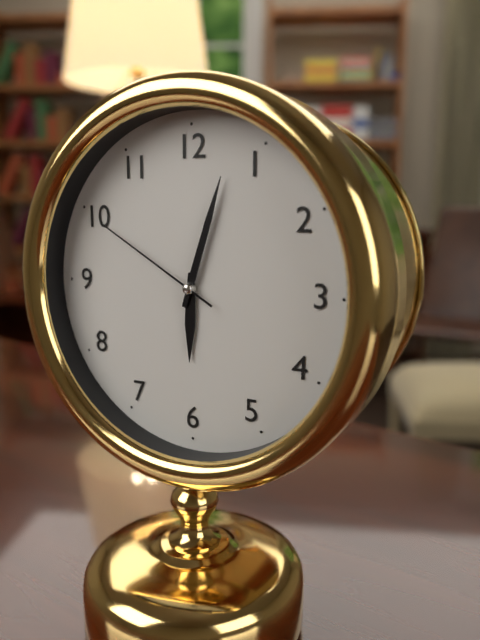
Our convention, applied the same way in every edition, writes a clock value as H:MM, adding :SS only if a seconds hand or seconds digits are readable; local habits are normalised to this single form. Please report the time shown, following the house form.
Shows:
6:03:50
